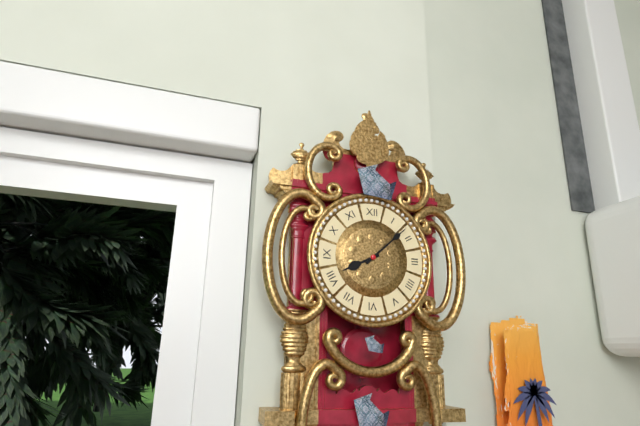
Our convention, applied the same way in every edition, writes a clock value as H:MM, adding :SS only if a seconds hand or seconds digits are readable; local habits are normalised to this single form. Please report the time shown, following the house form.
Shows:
8:08
